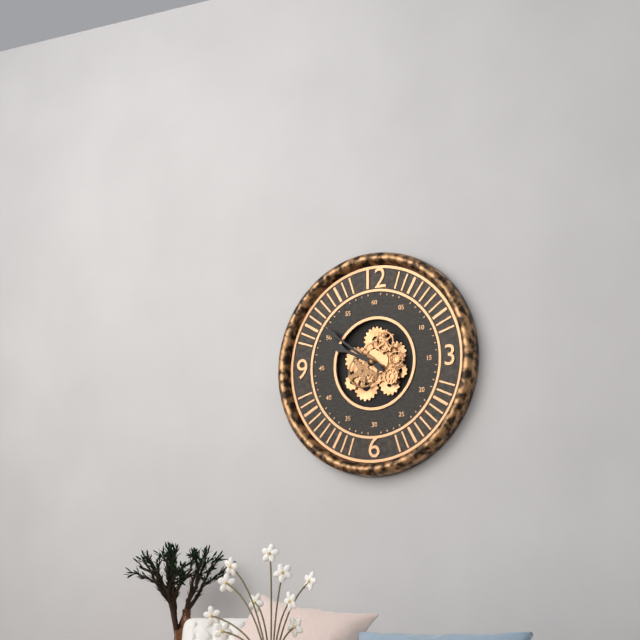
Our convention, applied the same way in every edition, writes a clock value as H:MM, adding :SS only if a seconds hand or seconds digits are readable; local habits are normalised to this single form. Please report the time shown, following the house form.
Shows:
9:51
